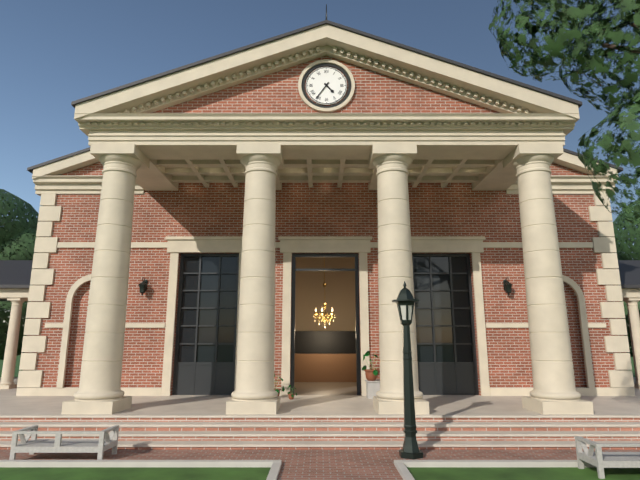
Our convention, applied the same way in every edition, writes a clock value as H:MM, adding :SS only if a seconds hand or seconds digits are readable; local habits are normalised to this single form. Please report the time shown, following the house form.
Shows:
4:36
